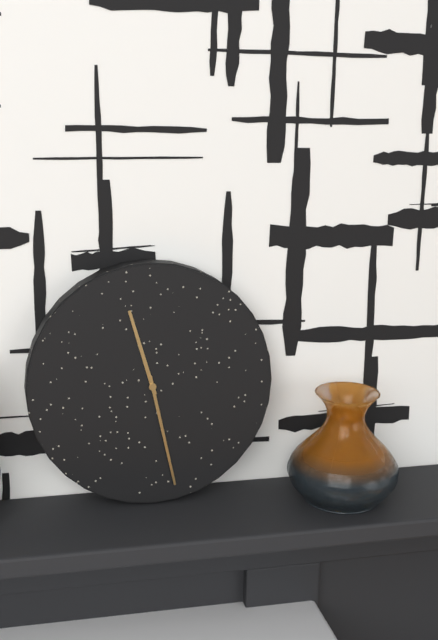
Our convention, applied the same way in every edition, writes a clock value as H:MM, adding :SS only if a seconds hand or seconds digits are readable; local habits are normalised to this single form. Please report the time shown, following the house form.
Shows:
11:28
